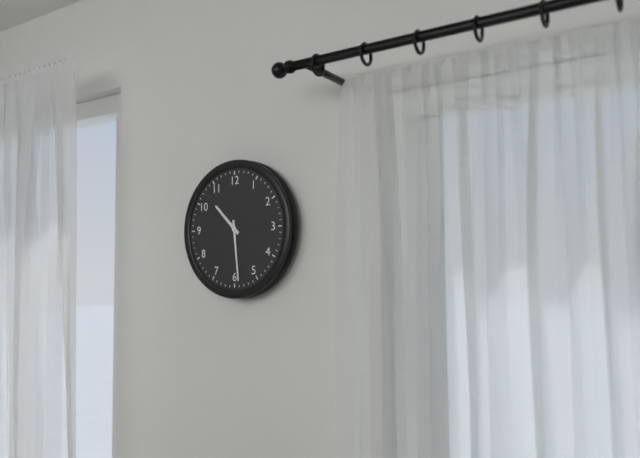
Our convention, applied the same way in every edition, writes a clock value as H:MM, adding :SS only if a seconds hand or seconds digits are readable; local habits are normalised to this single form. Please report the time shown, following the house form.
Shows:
10:29
